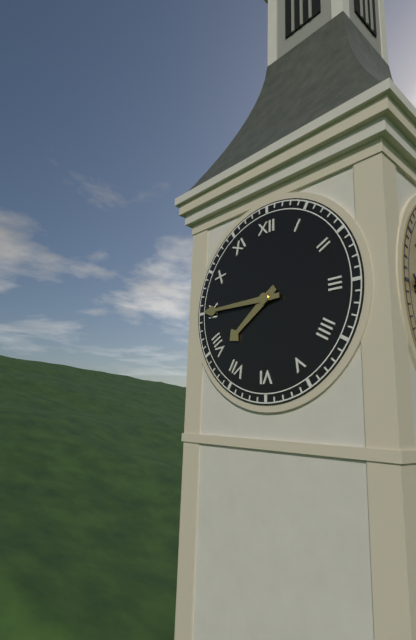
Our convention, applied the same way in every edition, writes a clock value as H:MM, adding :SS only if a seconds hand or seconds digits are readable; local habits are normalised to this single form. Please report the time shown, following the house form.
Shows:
7:45
